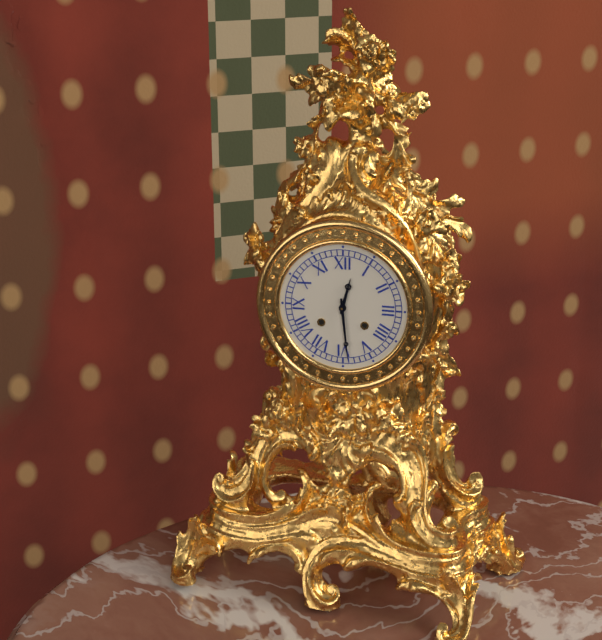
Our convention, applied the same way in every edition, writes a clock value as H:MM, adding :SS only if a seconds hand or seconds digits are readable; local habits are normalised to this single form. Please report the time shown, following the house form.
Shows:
12:29
